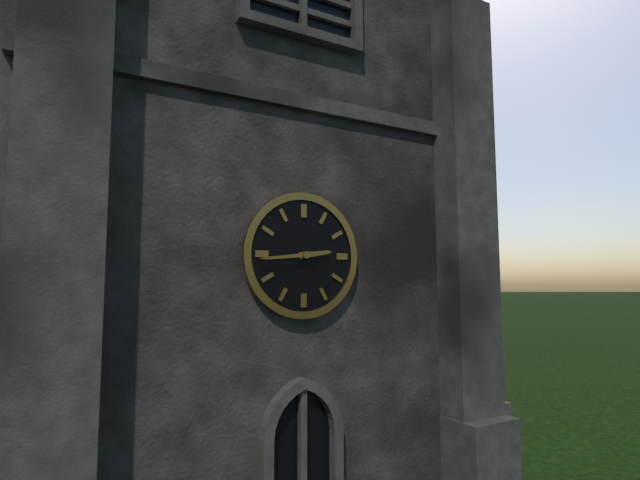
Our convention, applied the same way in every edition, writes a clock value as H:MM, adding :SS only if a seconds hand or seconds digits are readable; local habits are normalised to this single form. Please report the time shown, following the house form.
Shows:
2:44
